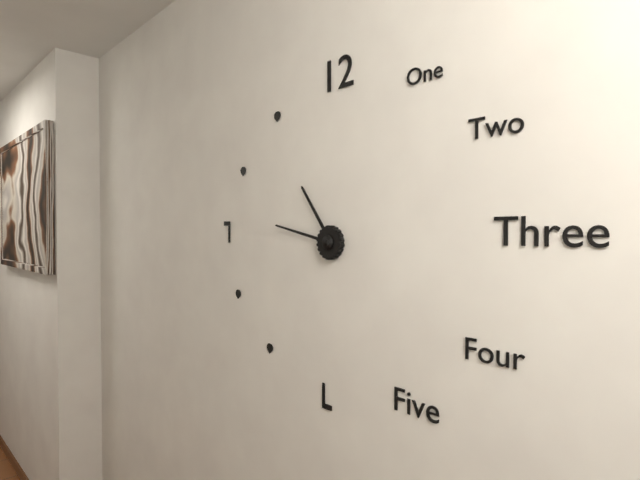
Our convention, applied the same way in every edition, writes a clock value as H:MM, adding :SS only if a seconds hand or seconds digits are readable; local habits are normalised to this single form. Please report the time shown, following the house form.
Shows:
10:47
